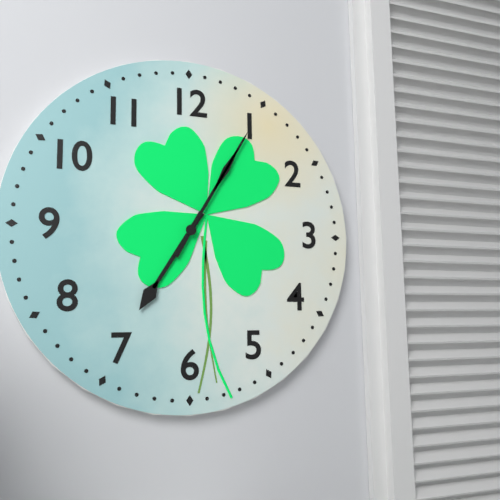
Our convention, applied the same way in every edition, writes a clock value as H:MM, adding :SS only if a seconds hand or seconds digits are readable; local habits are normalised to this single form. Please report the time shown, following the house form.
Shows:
7:05
